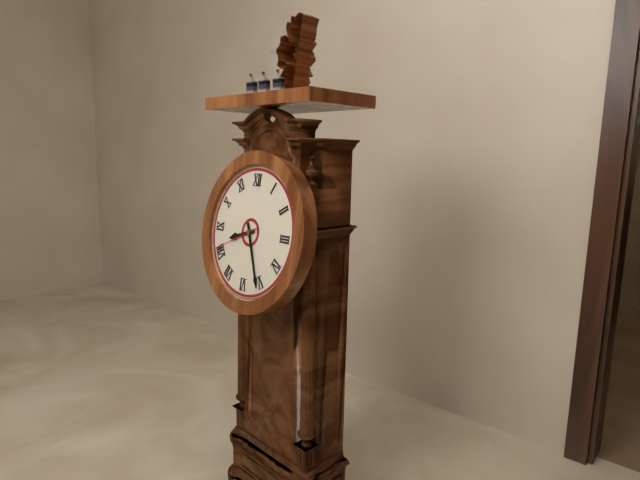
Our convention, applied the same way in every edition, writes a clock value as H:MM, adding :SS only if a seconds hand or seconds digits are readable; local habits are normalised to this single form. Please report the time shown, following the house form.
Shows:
8:26
